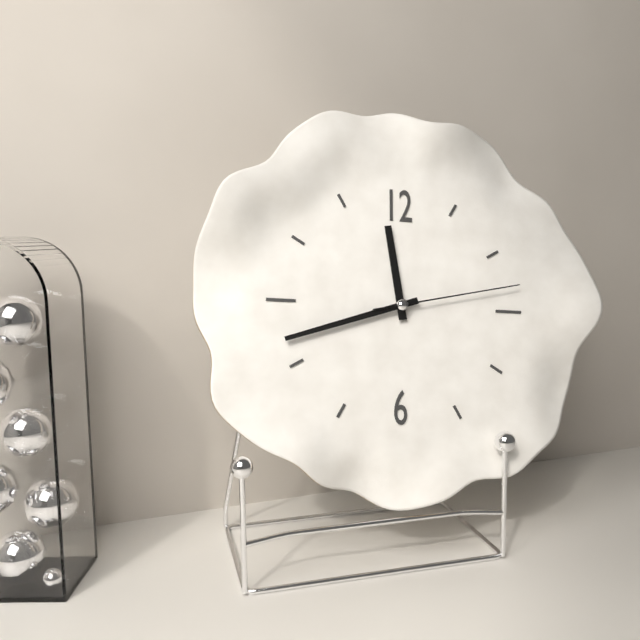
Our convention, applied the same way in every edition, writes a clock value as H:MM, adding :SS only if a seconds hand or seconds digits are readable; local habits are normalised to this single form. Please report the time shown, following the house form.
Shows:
11:42:13
